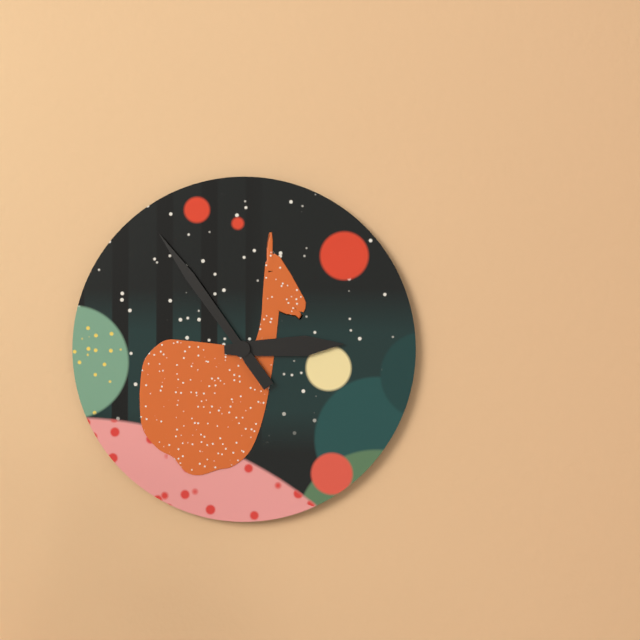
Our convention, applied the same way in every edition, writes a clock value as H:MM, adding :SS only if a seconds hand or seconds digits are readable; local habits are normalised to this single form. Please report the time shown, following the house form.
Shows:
2:54
